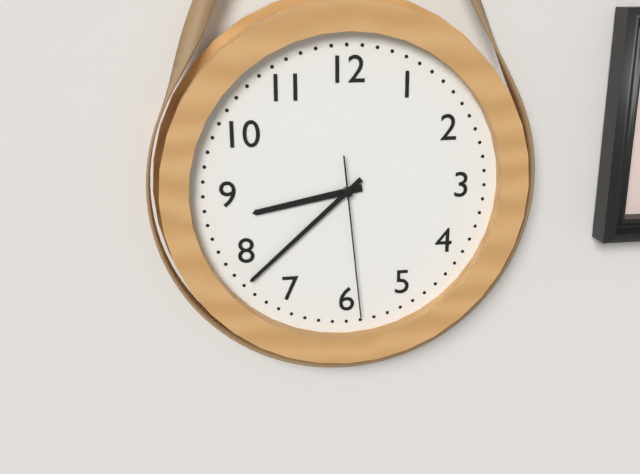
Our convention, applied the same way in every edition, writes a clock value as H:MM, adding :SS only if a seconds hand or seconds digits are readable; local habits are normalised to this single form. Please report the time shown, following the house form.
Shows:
8:38:29
